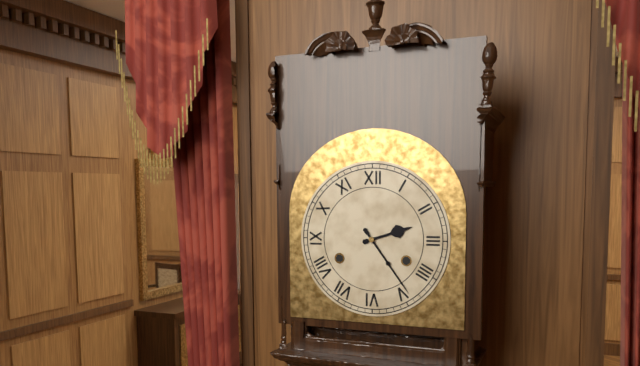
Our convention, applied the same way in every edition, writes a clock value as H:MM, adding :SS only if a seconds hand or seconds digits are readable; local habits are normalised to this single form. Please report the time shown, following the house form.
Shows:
2:24
